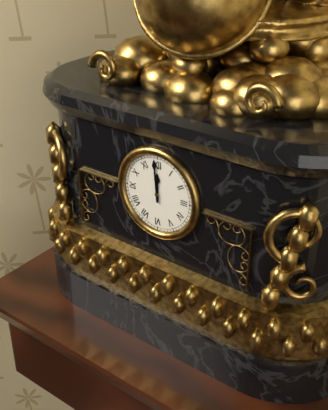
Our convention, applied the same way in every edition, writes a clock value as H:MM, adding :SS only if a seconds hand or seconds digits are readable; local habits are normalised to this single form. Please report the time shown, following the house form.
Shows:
11:59
